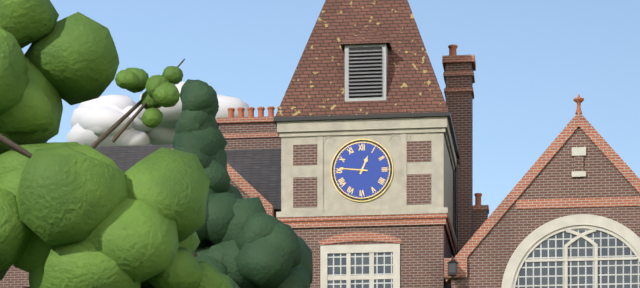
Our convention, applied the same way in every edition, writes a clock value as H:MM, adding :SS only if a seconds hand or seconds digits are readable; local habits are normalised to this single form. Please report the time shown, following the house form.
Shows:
12:46
